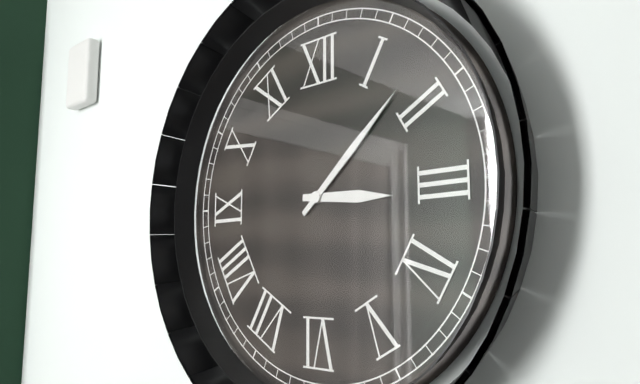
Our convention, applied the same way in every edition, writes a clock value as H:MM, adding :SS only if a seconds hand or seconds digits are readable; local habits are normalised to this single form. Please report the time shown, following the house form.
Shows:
3:08
